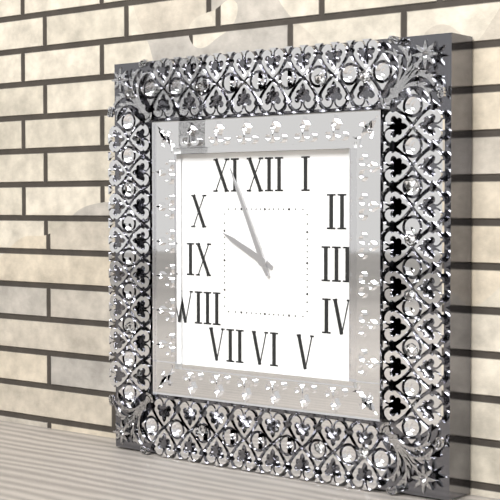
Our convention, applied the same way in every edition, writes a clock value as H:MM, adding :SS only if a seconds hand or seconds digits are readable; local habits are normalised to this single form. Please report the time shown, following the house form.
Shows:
9:56
